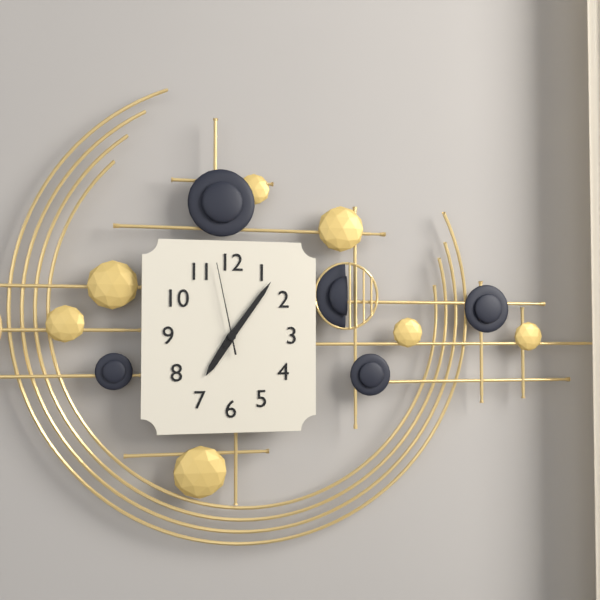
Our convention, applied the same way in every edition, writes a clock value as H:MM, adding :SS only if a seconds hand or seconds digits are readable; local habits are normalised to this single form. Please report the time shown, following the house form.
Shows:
7:06:58
